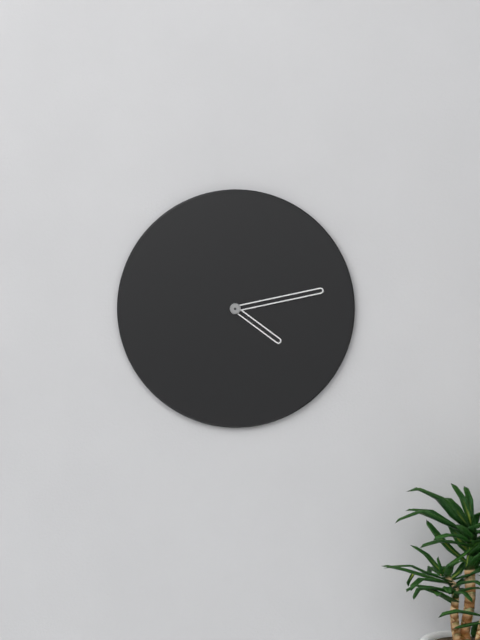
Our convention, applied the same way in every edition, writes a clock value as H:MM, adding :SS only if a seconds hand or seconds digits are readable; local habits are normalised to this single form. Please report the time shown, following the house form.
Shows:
4:13
